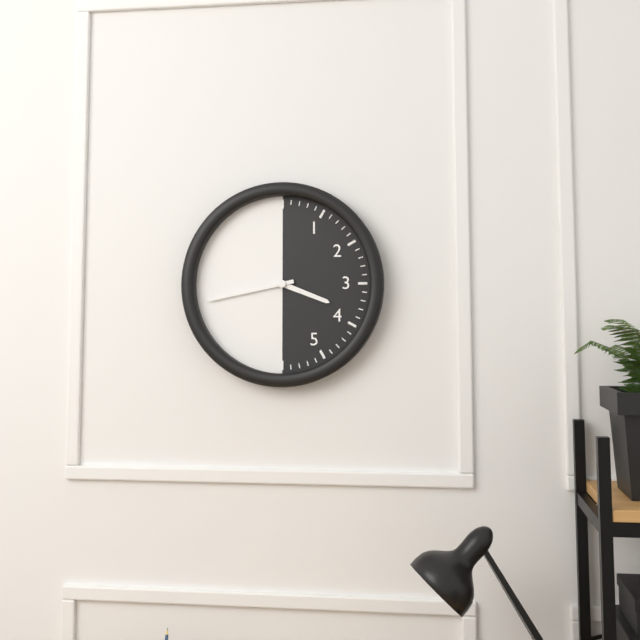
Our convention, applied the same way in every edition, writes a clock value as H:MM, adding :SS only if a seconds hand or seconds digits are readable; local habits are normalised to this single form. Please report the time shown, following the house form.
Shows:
3:43
